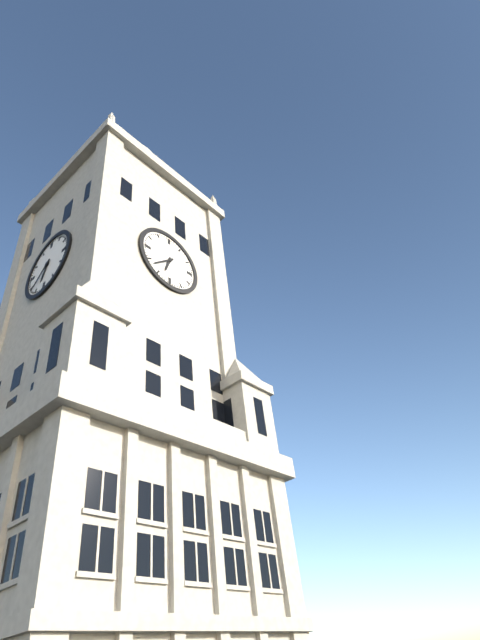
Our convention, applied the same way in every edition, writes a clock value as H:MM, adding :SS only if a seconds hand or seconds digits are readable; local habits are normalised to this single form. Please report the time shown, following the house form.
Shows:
6:38
